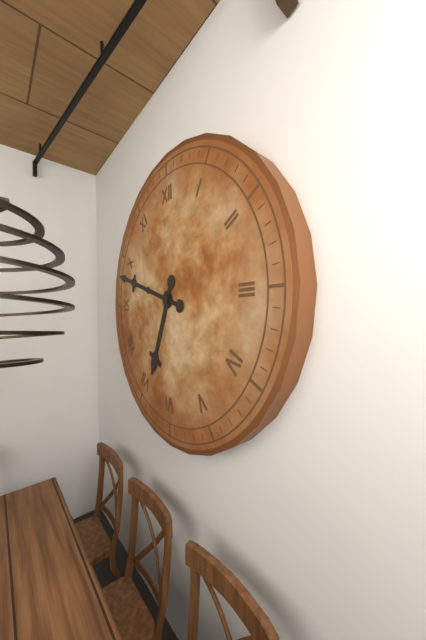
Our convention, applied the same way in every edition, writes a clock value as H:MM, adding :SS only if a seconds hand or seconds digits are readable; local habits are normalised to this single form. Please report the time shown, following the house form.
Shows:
6:48
